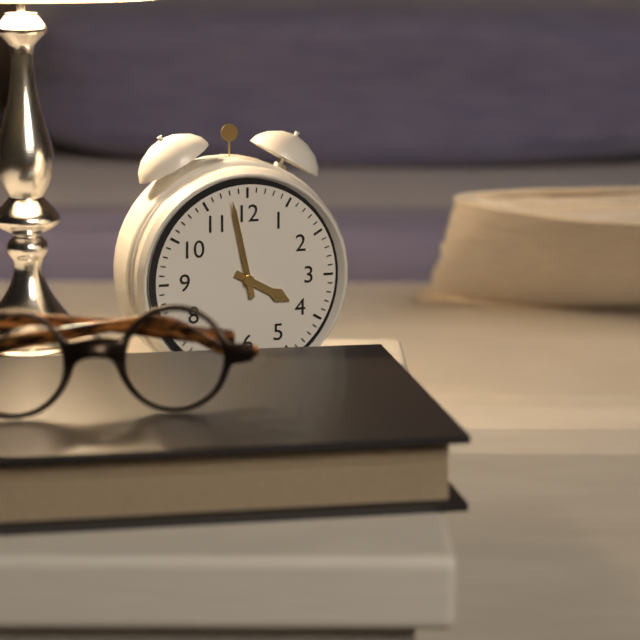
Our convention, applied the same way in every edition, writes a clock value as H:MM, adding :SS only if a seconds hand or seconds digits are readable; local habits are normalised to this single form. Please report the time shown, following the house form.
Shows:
3:58
